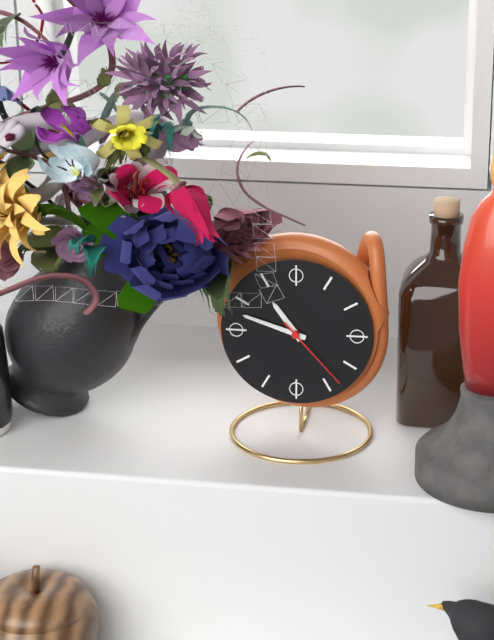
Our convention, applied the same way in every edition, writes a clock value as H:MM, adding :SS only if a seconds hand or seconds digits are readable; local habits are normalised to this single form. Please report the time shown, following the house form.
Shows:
10:48:23
